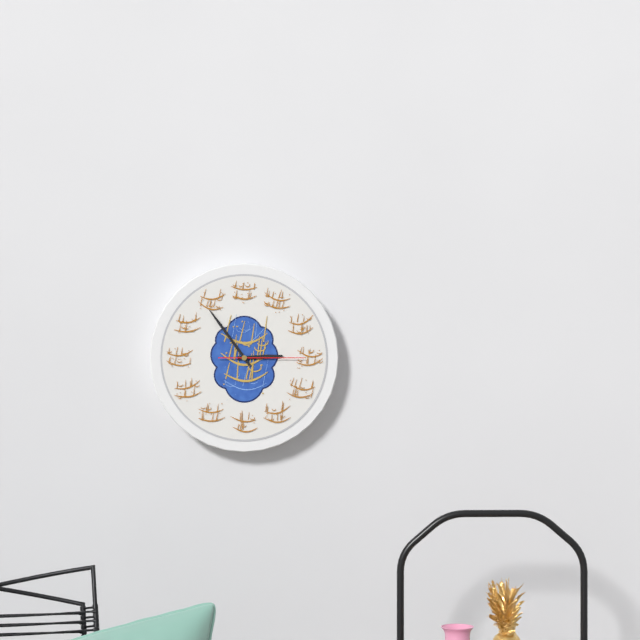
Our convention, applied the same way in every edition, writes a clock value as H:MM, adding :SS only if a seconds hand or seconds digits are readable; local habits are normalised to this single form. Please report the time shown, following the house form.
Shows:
2:54:15
